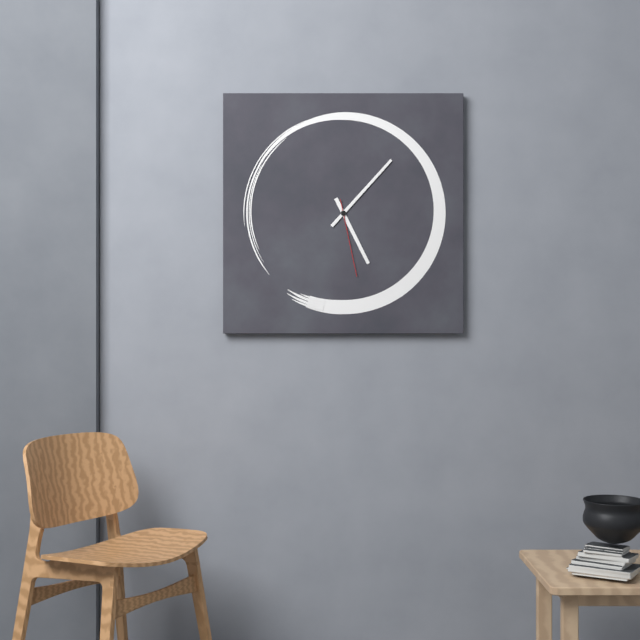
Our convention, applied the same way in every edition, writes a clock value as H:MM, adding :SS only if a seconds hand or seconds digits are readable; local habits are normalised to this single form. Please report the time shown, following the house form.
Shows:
5:07:28
